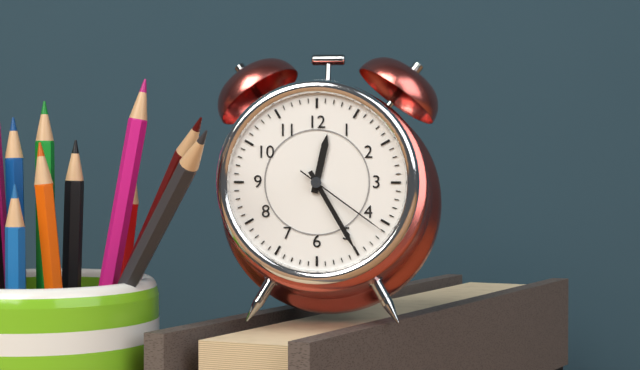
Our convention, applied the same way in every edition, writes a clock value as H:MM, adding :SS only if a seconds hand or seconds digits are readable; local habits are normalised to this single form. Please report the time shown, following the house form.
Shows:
12:25:21
